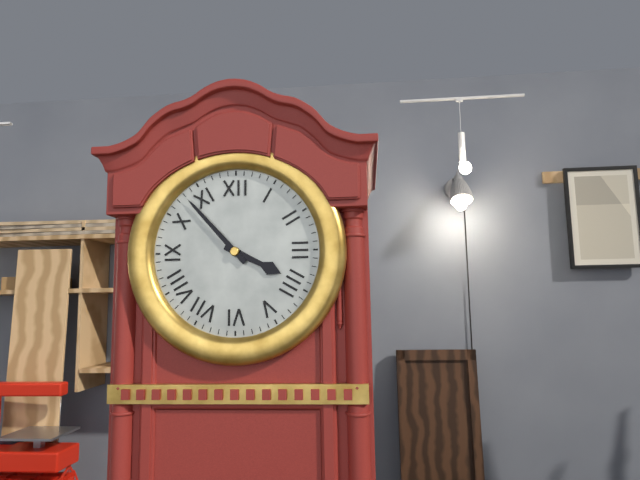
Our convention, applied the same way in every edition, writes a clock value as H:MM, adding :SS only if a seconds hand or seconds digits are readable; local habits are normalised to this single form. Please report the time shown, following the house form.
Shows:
3:53
